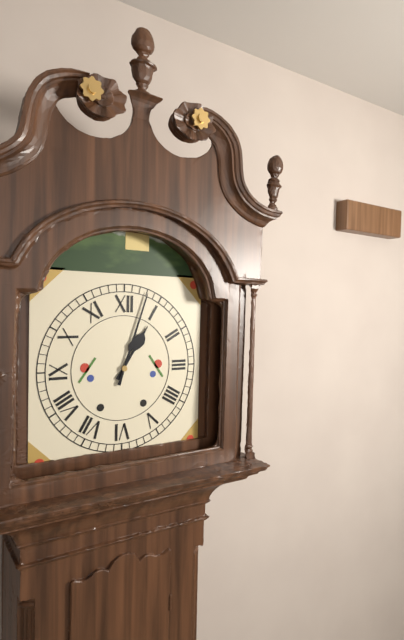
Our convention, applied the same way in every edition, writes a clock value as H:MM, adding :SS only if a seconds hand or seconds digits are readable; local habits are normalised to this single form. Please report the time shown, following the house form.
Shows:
1:03
